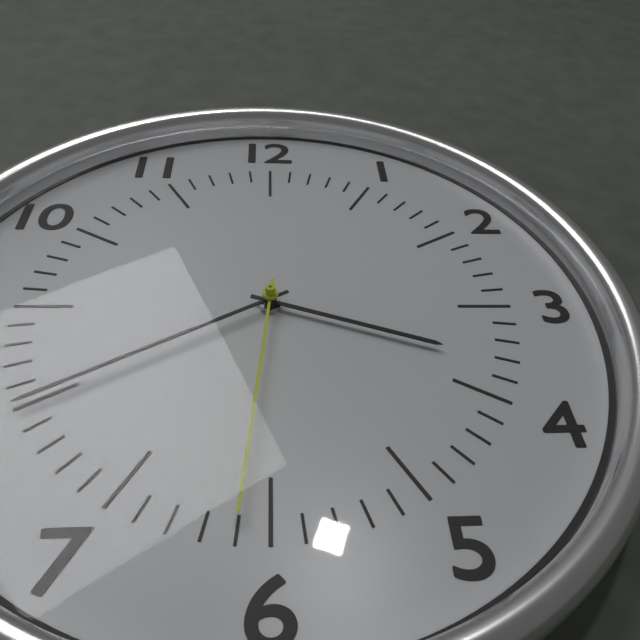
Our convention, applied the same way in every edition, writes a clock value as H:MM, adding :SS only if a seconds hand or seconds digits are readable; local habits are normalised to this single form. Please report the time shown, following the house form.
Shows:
3:40:31
